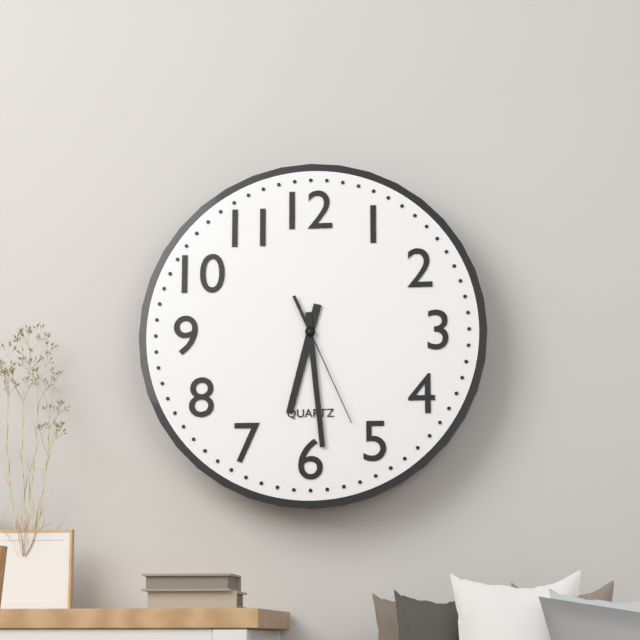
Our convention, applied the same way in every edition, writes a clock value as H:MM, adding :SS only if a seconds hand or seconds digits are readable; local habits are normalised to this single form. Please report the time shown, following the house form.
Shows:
6:29:26
